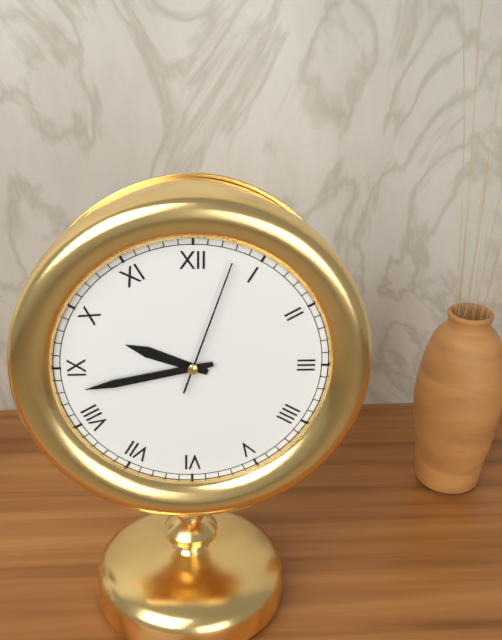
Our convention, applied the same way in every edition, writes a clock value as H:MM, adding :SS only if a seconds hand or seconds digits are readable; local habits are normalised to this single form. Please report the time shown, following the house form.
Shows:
9:43:03
